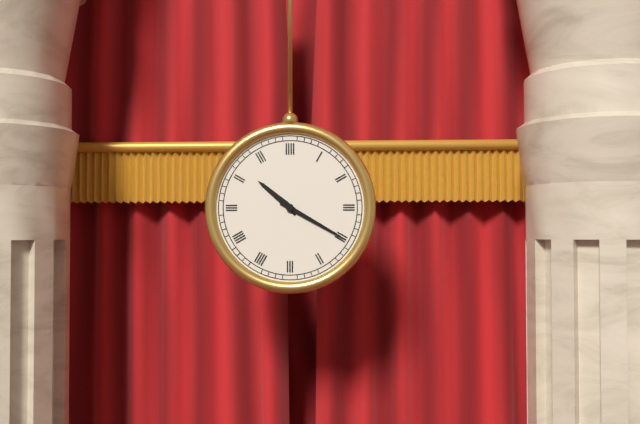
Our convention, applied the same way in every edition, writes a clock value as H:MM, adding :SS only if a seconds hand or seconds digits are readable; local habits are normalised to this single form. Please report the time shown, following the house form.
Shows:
10:20
